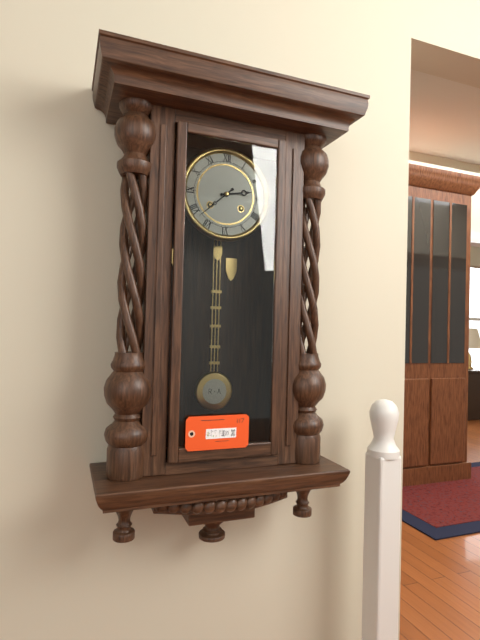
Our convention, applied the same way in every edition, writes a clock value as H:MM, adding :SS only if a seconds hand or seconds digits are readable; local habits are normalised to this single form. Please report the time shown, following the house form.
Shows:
2:38
